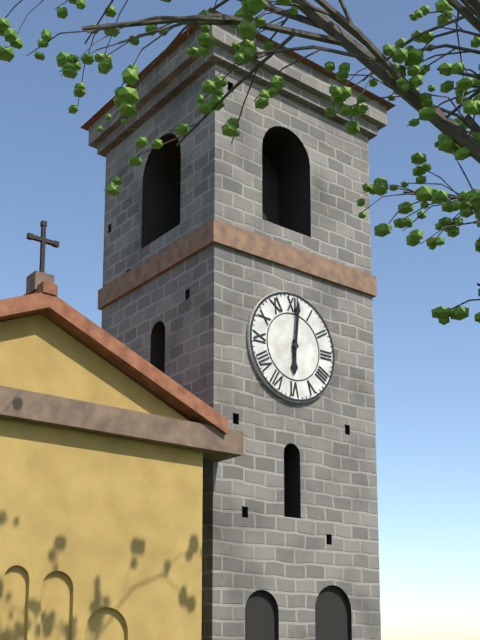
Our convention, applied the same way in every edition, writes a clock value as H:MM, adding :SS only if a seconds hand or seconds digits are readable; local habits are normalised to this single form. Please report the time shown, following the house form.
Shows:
6:01
